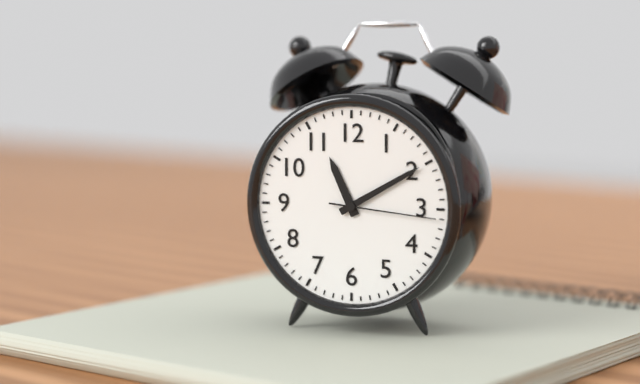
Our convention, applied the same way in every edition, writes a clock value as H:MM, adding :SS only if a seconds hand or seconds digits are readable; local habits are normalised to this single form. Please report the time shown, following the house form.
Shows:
11:10:16
